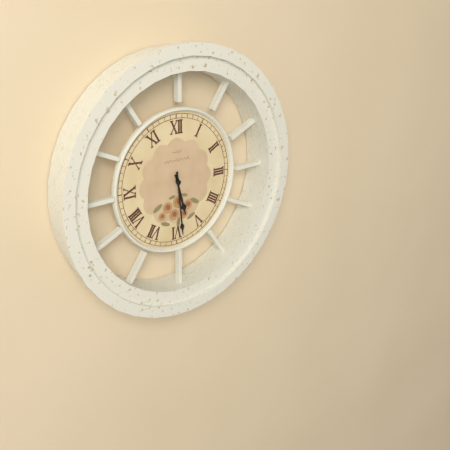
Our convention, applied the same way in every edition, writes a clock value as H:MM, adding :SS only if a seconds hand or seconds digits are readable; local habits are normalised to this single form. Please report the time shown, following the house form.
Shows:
5:29
